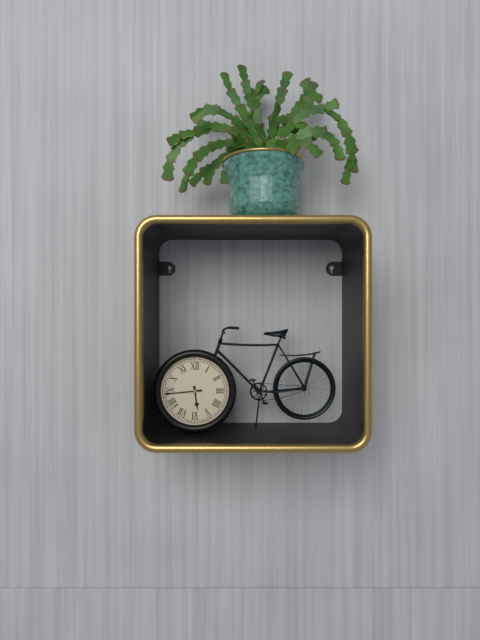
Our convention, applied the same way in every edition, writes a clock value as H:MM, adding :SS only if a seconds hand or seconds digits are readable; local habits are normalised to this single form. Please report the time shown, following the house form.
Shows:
5:44
